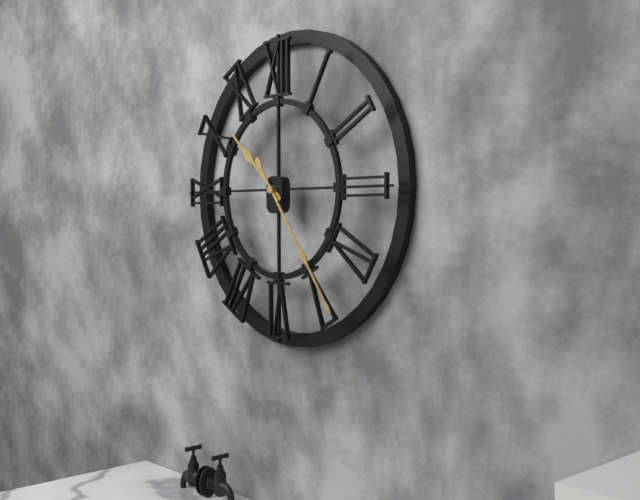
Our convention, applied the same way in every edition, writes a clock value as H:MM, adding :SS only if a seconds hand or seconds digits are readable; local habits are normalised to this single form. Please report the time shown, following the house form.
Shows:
10:24
